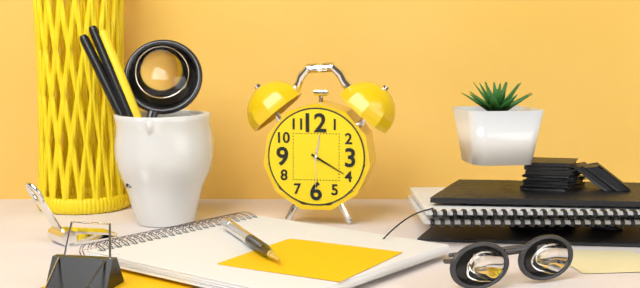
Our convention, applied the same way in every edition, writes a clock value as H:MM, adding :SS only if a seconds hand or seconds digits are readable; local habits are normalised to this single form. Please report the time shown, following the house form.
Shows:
12:20
